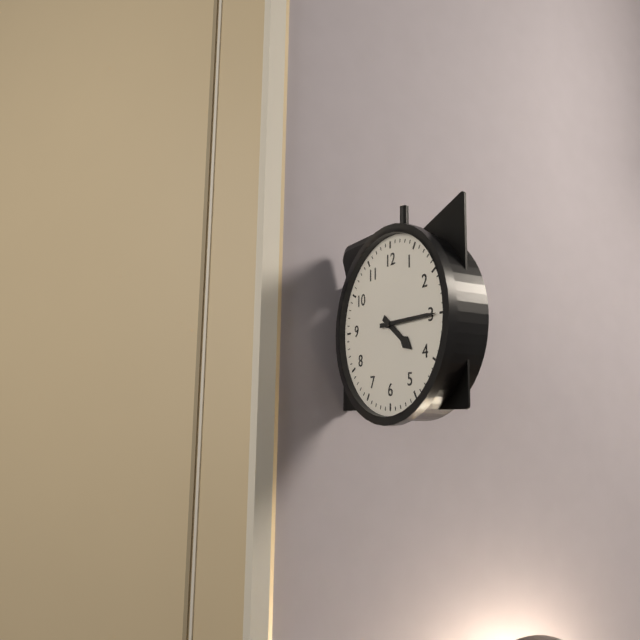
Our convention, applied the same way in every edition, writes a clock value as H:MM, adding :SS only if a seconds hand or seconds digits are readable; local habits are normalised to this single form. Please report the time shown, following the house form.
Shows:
4:15
